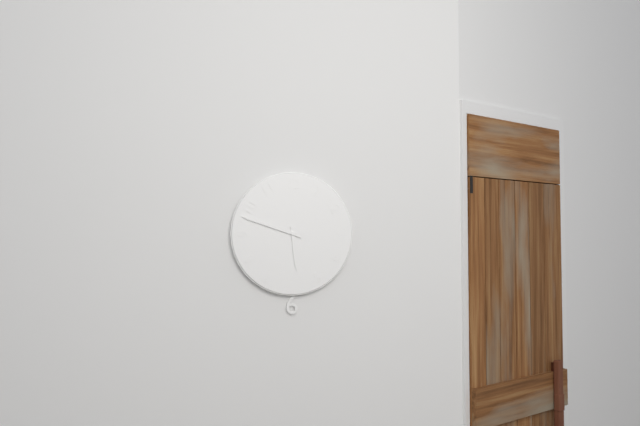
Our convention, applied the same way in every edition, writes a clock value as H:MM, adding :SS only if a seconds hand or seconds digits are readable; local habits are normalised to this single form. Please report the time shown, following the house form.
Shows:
5:48
